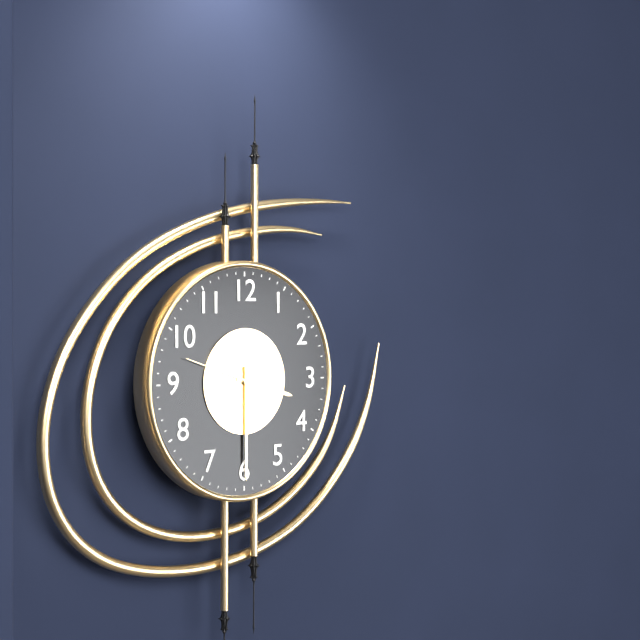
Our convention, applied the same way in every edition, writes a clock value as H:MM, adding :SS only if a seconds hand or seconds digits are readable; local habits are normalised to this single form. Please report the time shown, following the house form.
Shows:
3:30:48
